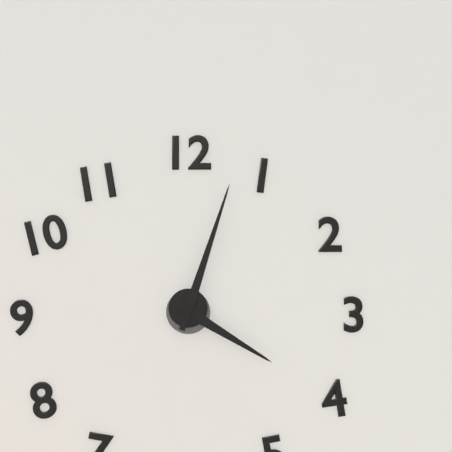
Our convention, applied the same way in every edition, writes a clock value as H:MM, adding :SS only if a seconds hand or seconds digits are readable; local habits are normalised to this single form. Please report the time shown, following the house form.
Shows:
4:03
